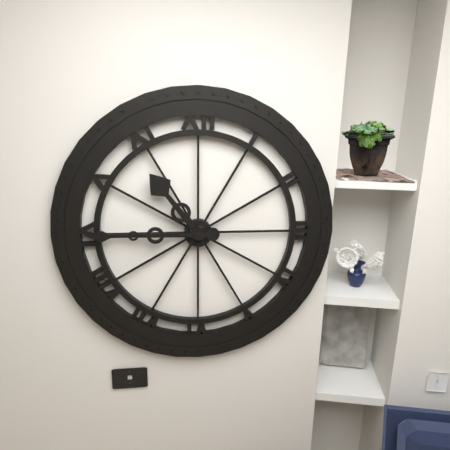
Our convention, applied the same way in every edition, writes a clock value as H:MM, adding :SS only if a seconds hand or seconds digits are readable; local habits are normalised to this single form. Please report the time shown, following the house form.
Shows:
10:45
